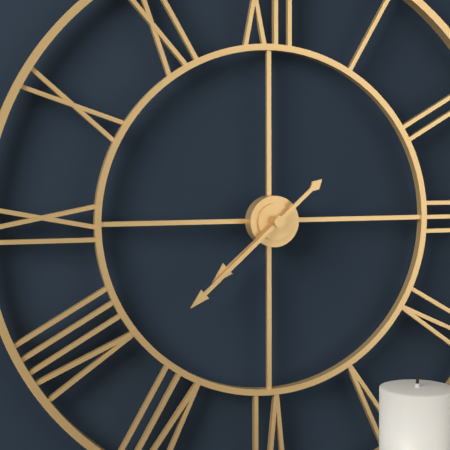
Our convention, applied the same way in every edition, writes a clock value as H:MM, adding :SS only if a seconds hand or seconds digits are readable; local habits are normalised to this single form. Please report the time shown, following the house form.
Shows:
7:38
